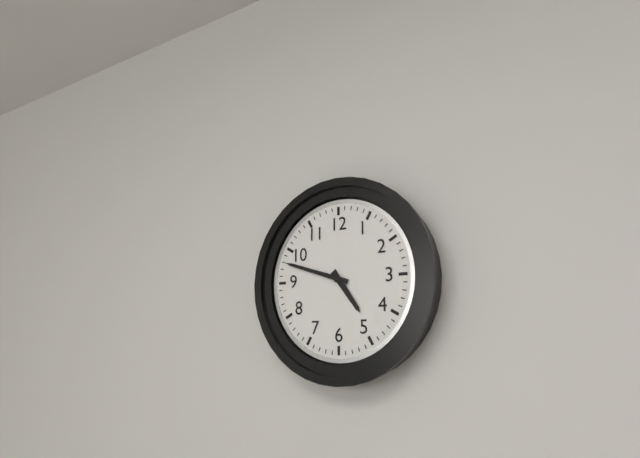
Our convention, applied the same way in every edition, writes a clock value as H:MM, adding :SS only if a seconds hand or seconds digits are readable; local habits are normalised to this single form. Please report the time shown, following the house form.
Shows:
4:48
